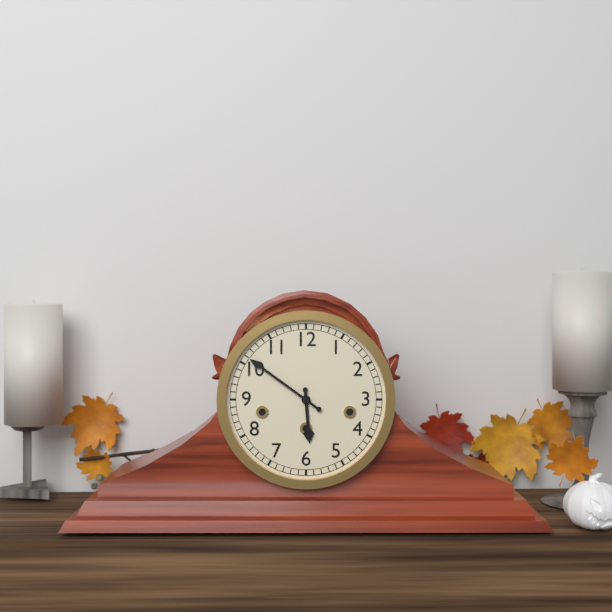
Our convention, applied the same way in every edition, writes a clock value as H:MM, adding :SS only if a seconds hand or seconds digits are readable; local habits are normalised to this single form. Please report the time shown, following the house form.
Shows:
5:51
